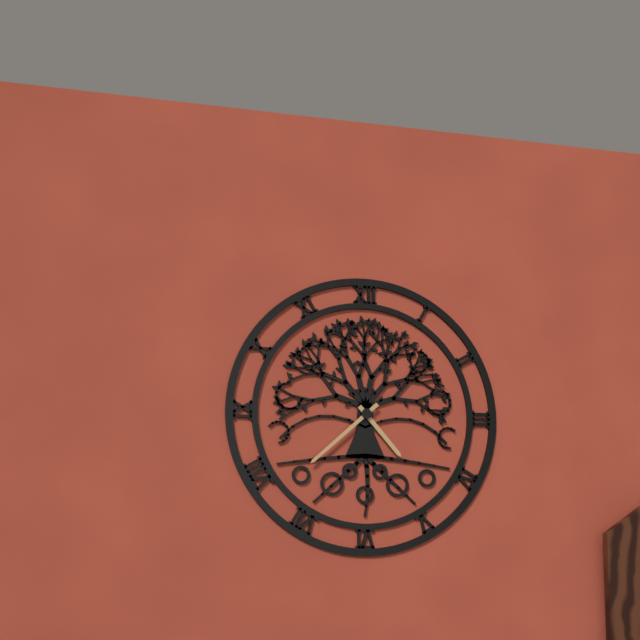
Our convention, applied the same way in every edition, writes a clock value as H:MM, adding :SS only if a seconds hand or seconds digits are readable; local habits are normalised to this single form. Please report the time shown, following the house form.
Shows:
4:38
